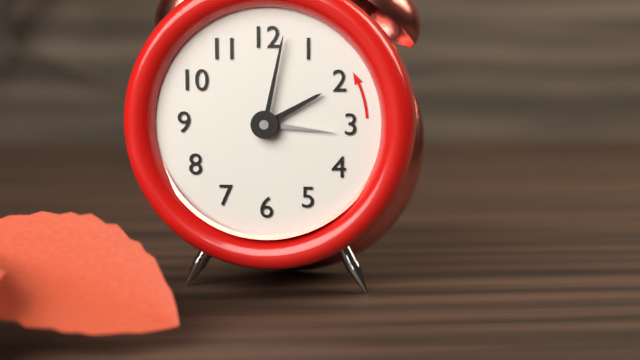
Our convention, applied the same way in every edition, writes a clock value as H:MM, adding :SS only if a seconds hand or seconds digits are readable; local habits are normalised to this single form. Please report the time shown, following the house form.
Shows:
2:02:16
